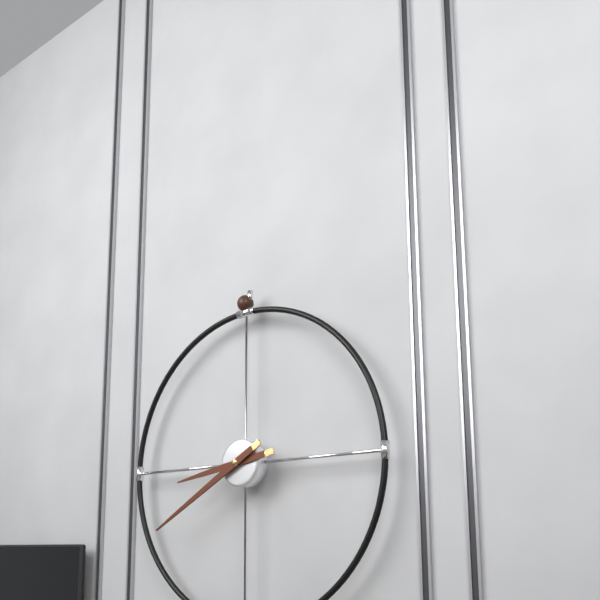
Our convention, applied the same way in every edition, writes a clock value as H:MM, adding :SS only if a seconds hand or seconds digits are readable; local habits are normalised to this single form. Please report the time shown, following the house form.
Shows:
8:40
